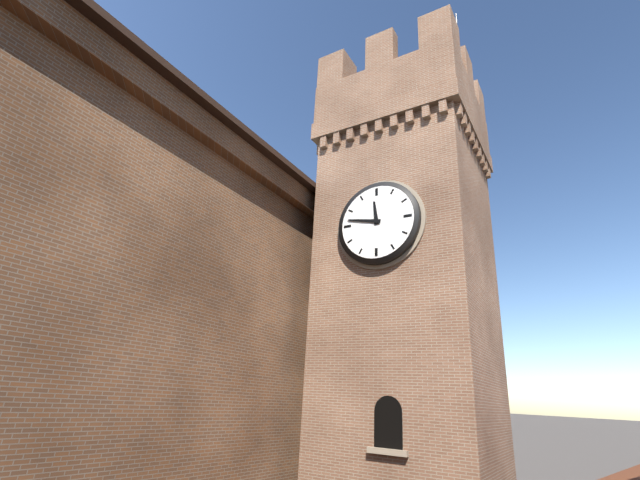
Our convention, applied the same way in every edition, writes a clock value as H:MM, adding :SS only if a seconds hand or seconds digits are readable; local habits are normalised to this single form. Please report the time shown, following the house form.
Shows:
11:47
